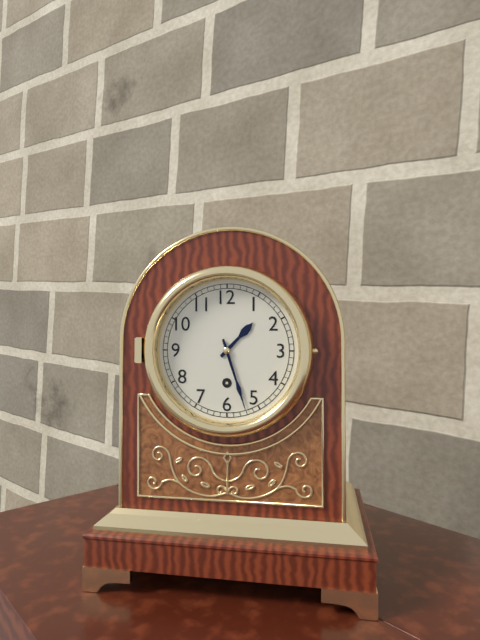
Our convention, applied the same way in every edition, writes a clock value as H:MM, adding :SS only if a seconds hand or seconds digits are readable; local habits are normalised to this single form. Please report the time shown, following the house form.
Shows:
1:27
